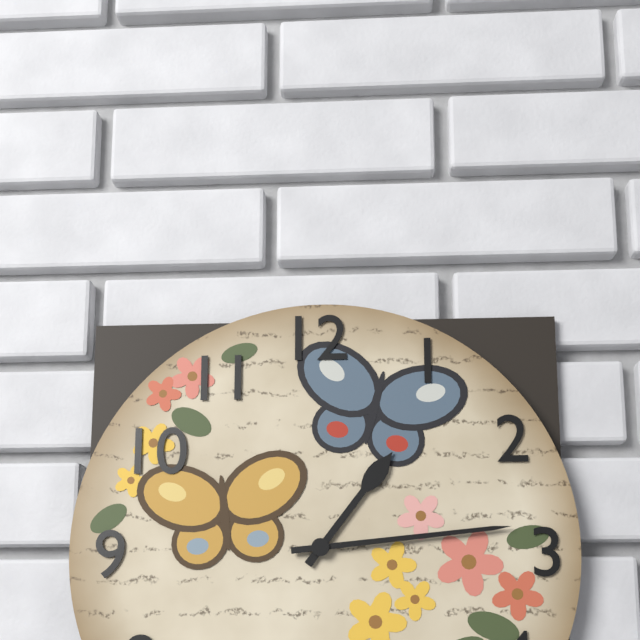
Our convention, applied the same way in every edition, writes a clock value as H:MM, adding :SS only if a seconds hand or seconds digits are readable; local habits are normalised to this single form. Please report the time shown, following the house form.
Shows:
1:14
